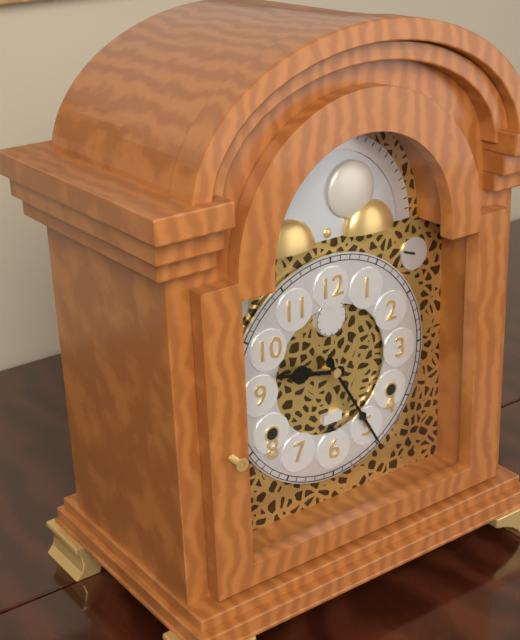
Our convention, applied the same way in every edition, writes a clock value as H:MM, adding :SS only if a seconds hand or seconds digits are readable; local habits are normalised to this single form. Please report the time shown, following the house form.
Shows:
9:25
